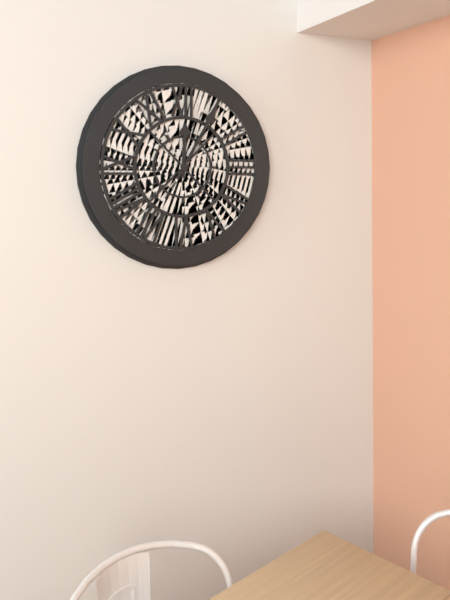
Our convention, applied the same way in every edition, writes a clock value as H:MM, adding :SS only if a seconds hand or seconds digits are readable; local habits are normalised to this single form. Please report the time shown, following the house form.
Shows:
12:05
